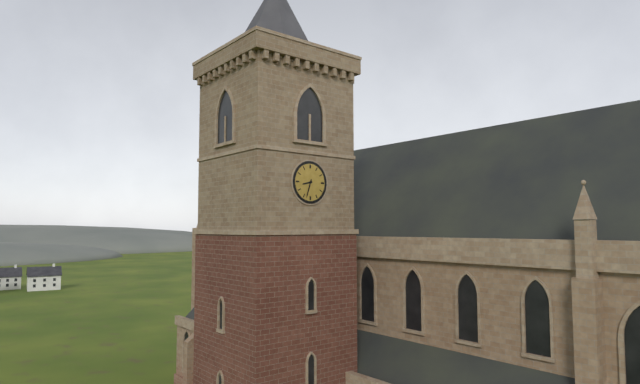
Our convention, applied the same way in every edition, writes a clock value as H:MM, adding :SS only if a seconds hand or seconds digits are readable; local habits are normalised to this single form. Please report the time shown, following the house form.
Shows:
8:33
